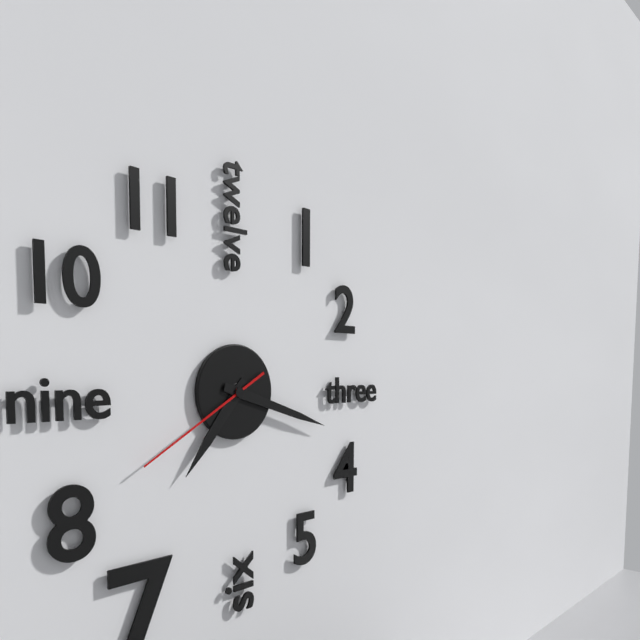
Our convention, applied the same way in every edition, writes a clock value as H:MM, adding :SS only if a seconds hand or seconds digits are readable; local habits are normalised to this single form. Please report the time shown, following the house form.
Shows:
7:18:40
